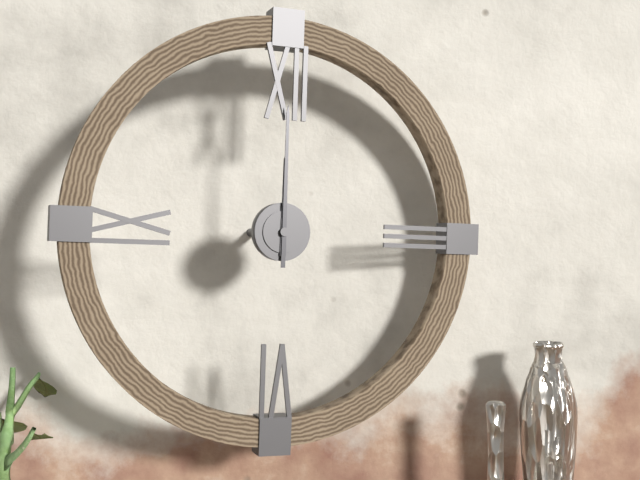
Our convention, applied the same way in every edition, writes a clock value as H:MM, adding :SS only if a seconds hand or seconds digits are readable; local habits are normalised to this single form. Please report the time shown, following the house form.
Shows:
12:00
